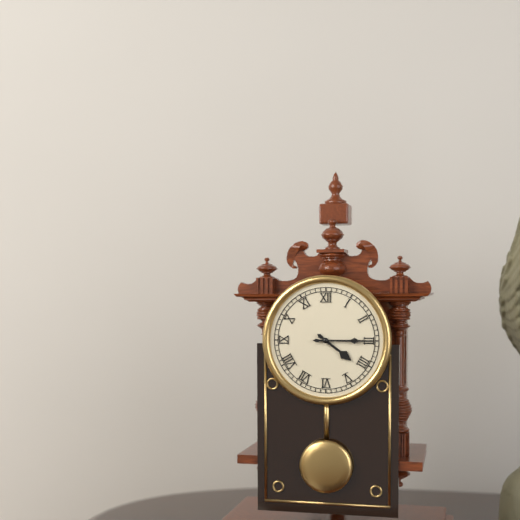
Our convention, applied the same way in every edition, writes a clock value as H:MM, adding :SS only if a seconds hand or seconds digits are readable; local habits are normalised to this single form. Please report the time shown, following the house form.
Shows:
4:15
